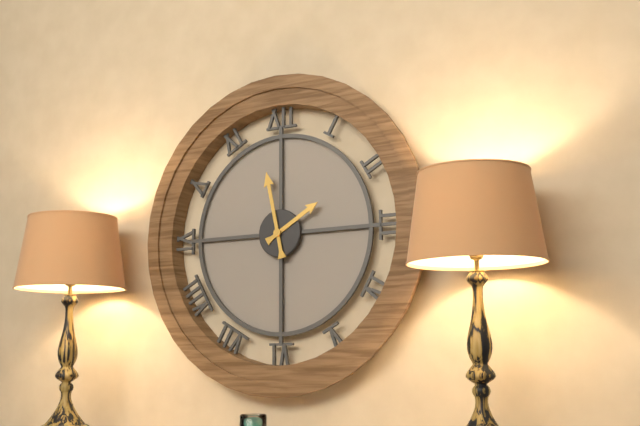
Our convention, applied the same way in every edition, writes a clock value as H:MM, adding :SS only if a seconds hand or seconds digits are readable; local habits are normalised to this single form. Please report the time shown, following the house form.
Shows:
1:58
